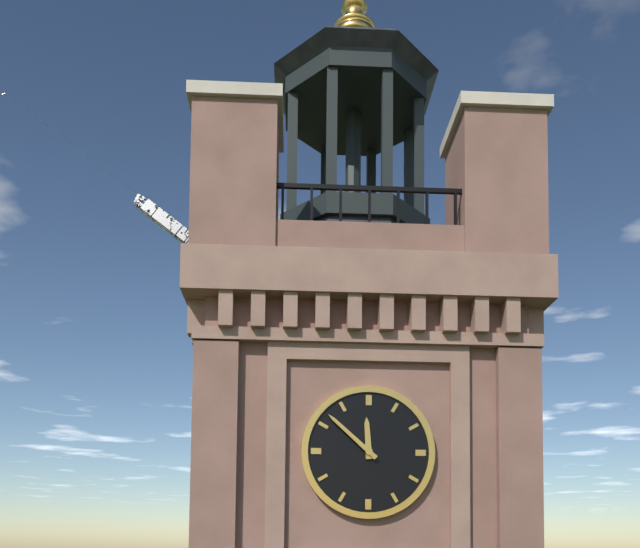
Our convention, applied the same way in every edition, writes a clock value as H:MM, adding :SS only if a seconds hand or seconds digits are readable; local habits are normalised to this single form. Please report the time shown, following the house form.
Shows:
11:52
